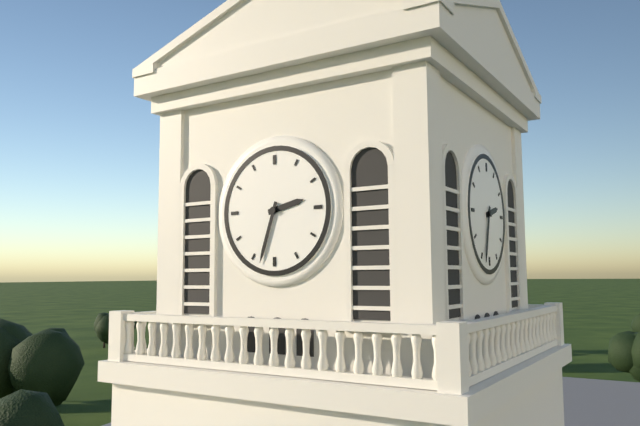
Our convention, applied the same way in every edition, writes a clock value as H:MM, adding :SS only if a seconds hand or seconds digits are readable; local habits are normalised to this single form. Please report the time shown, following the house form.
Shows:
2:33
